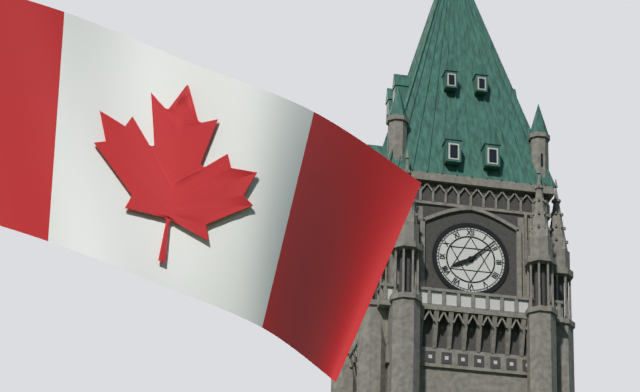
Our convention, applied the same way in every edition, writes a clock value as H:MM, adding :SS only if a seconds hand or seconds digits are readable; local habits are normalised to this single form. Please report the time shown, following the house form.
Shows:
8:08
